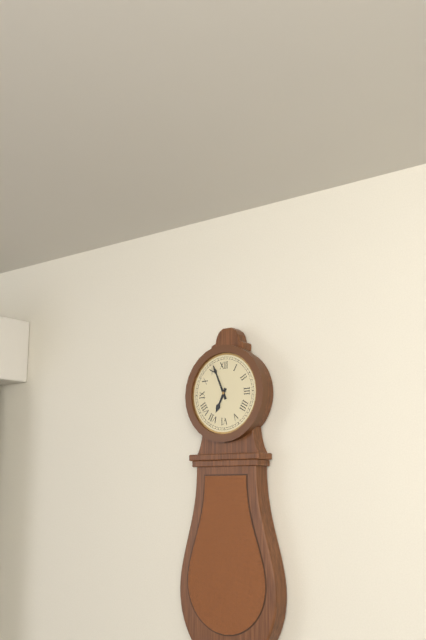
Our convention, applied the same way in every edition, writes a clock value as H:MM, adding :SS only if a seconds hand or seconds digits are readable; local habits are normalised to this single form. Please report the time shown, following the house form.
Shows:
6:56
